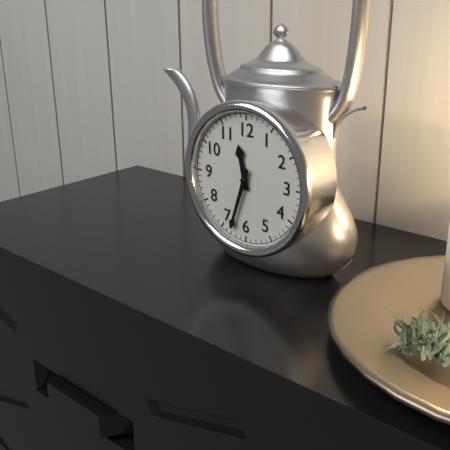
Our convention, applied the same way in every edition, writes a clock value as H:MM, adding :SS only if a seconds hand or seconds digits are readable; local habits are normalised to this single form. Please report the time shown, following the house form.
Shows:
11:33
